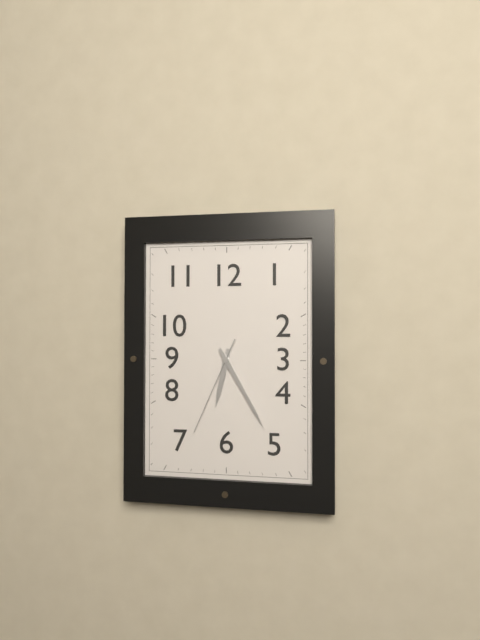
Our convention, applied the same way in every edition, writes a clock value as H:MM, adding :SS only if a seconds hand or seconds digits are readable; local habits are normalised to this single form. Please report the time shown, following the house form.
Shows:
6:25:34
